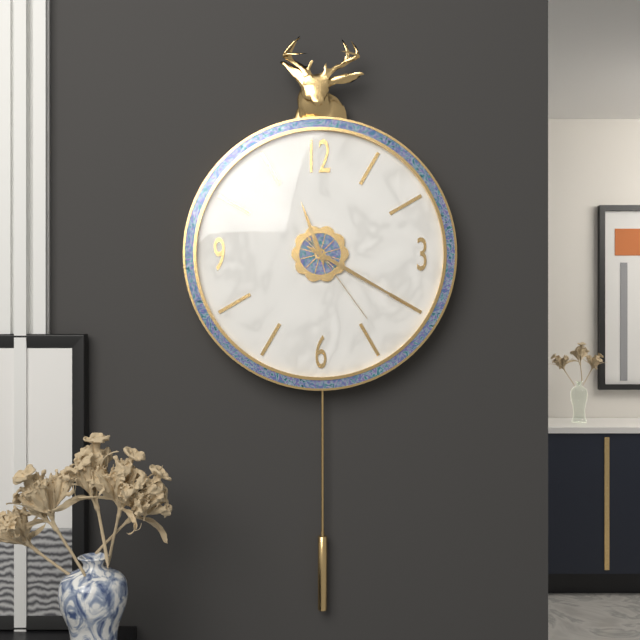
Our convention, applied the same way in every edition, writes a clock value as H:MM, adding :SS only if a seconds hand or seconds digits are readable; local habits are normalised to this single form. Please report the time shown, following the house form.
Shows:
11:20:24
